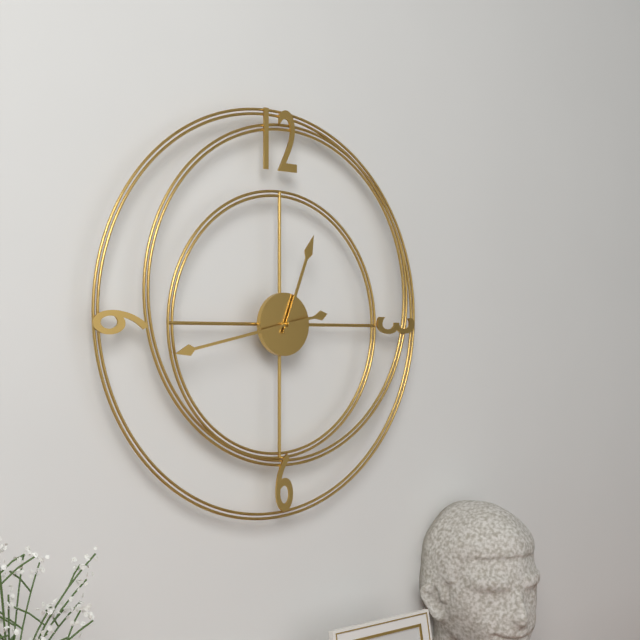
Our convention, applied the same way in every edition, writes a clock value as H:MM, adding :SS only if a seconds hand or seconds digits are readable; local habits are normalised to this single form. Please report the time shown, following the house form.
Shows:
12:43
